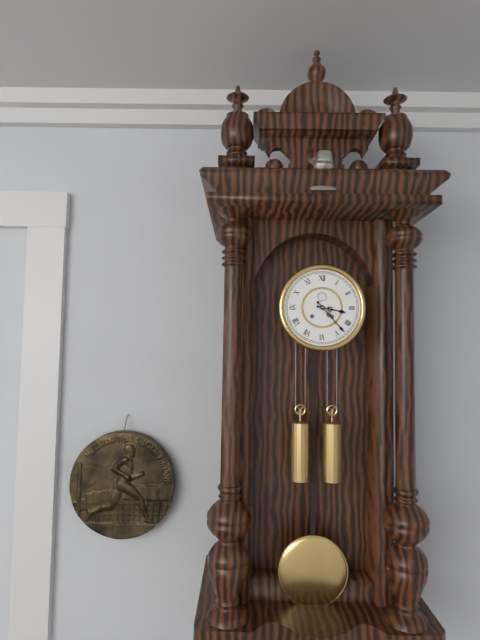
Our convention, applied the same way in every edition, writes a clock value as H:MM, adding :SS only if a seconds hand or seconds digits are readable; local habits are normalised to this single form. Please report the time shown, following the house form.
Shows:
3:23
